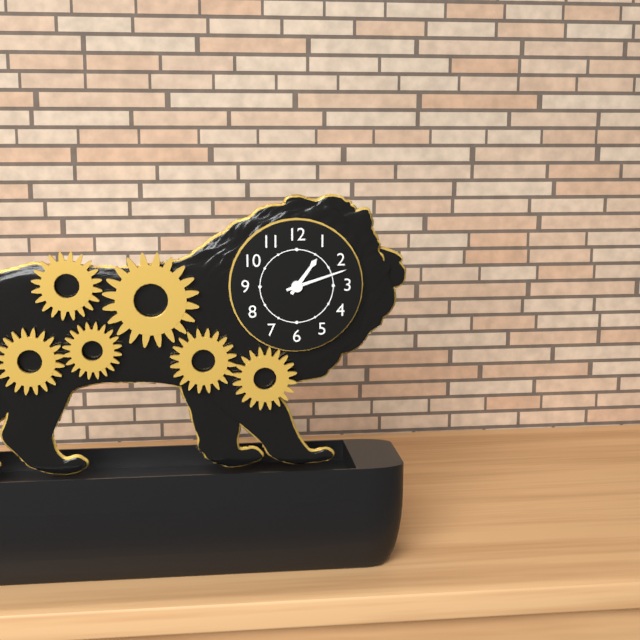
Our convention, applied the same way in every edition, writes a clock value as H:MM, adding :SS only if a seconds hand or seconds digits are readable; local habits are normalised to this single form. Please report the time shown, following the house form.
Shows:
1:12
